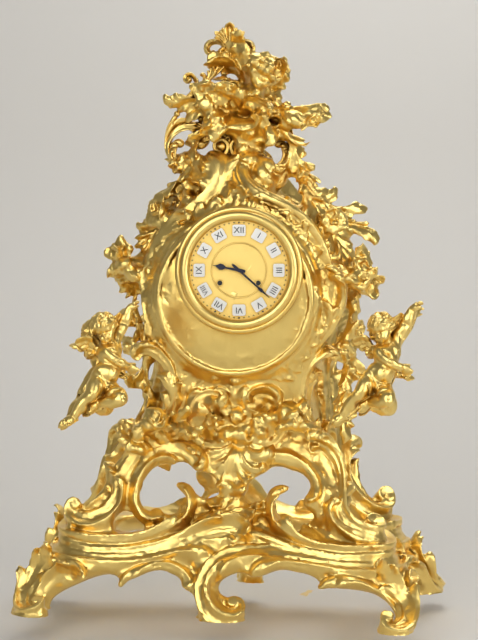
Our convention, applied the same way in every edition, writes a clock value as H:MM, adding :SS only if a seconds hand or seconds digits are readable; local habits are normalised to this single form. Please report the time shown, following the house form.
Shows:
9:22
